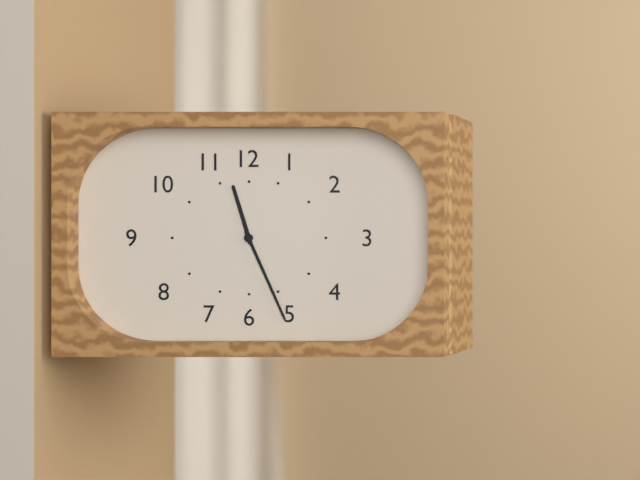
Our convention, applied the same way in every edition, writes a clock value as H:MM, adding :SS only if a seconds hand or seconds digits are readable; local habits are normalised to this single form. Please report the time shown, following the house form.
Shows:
11:26
